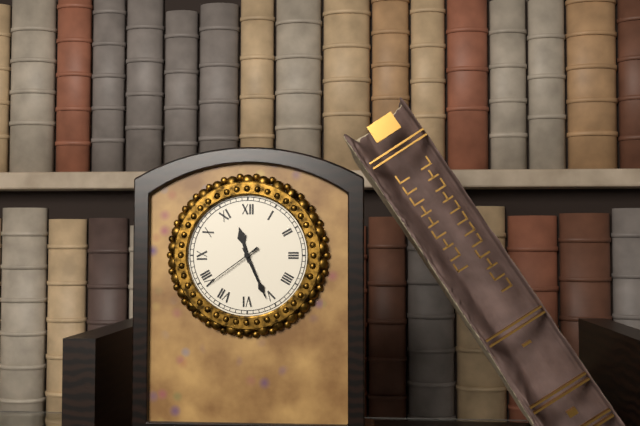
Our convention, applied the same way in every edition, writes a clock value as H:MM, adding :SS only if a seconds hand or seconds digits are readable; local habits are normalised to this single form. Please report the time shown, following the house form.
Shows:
11:26:39
